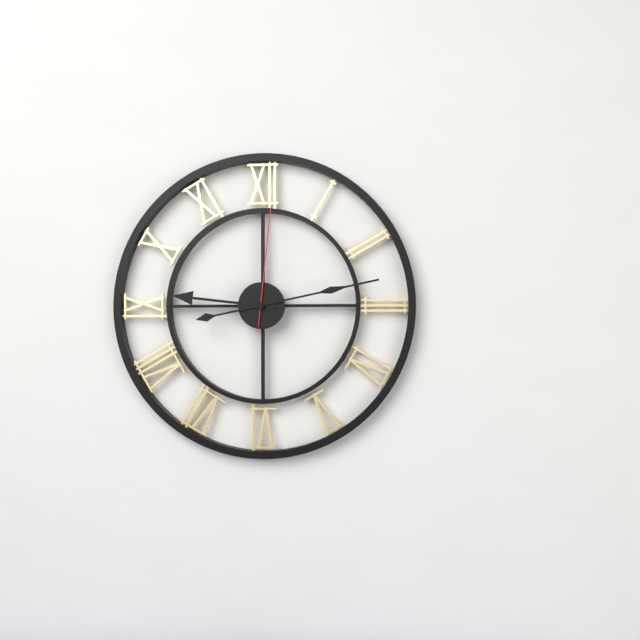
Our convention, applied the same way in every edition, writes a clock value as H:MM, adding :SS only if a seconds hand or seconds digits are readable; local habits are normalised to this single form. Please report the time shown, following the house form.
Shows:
9:13:01
